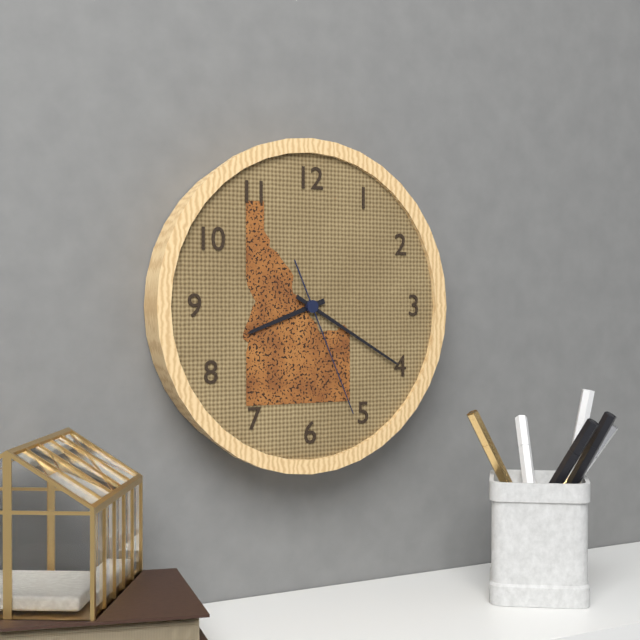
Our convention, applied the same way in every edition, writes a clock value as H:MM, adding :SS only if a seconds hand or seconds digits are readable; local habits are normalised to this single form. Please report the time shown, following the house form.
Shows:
8:20:26
